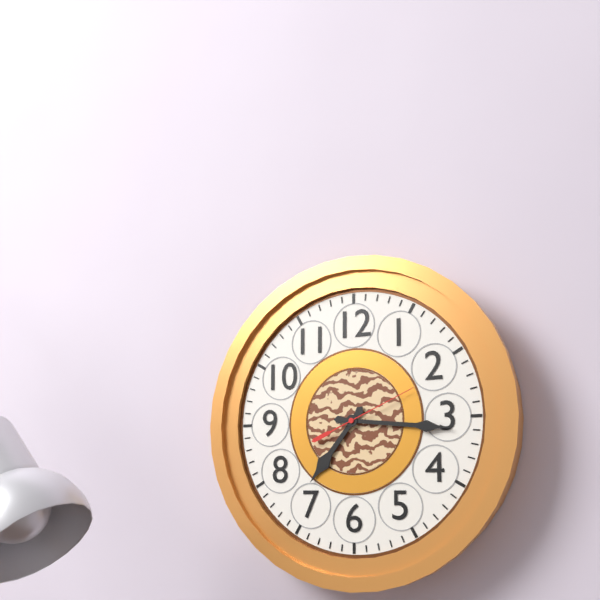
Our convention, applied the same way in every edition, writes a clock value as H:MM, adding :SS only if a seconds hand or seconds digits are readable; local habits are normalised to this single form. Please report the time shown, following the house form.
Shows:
7:16:11
